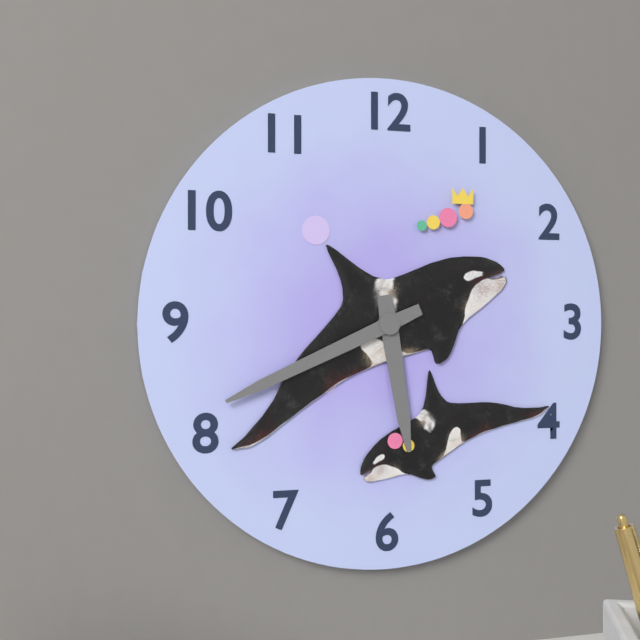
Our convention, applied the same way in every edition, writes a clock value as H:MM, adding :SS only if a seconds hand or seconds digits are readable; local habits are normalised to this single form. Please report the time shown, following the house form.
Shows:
5:41
